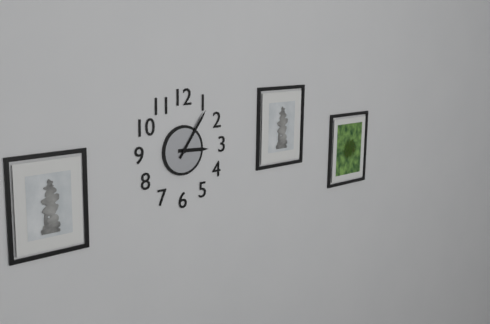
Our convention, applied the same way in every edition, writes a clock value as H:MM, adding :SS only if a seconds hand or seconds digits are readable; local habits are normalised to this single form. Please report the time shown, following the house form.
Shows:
3:06
